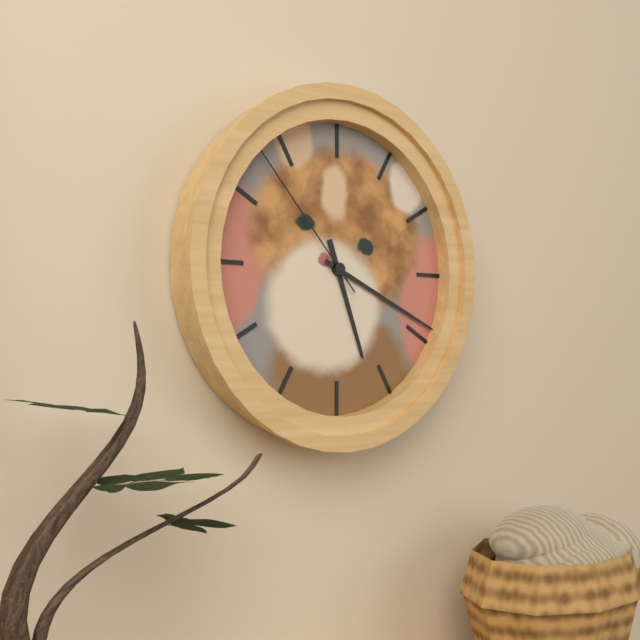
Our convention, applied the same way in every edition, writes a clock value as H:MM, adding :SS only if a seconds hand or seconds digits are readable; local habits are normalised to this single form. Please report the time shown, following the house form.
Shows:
5:19:53
